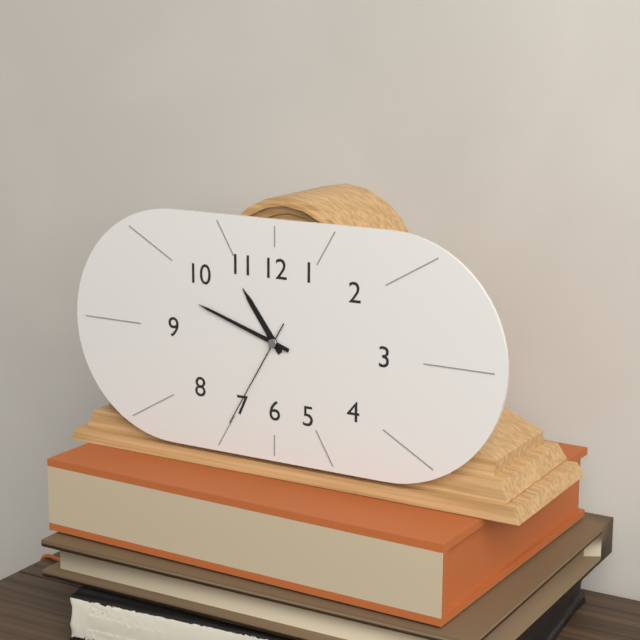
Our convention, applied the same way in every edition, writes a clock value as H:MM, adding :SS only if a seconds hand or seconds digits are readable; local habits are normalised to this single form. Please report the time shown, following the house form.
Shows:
10:48:35
